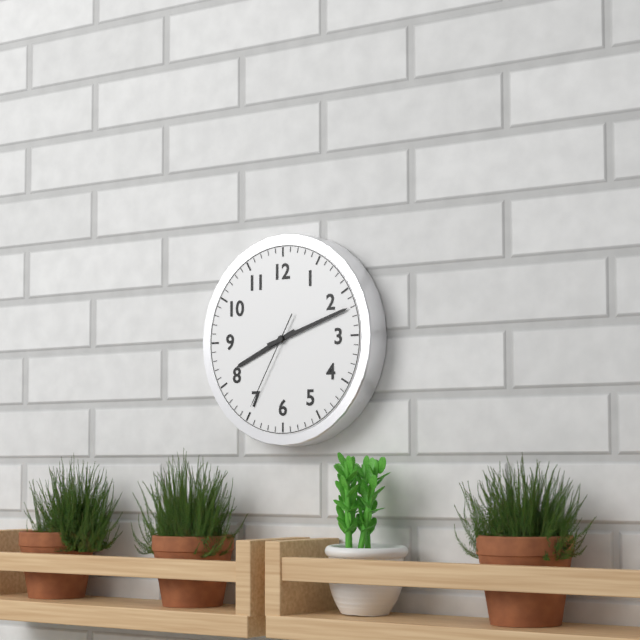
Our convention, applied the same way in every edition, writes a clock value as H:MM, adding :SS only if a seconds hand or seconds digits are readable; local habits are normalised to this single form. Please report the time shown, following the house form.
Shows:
8:12:35
